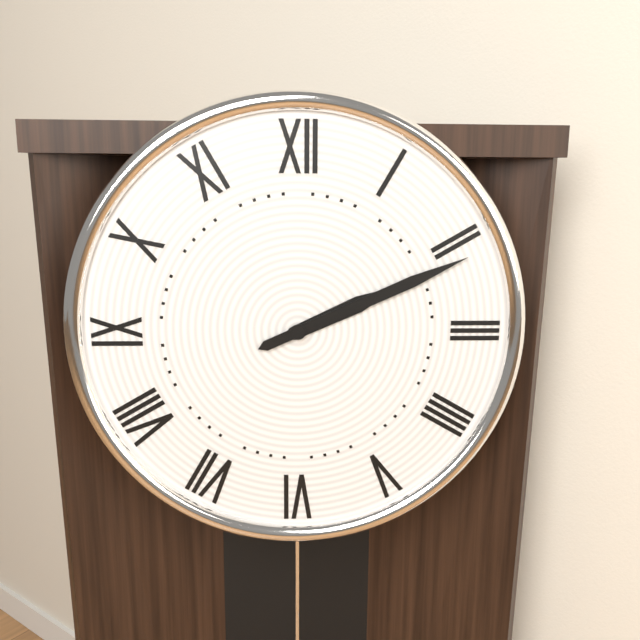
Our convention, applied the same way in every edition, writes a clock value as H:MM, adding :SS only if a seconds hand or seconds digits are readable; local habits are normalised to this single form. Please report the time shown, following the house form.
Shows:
2:11
